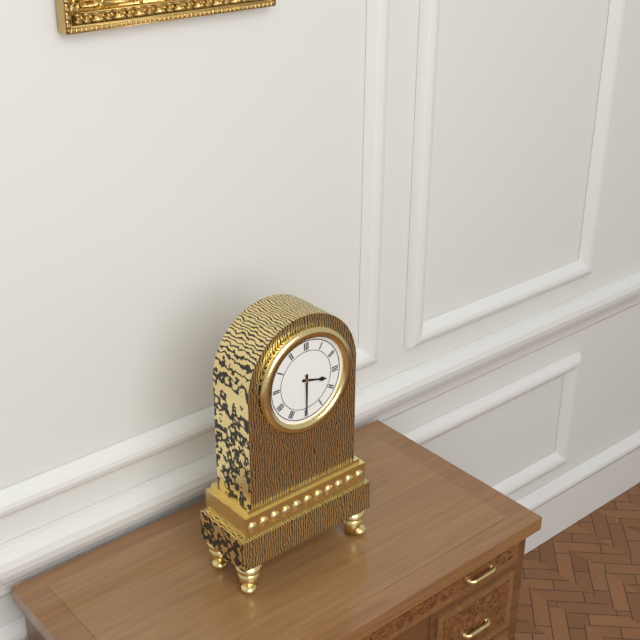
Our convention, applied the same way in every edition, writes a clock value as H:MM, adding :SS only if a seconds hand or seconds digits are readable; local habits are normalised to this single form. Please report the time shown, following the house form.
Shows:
3:30
